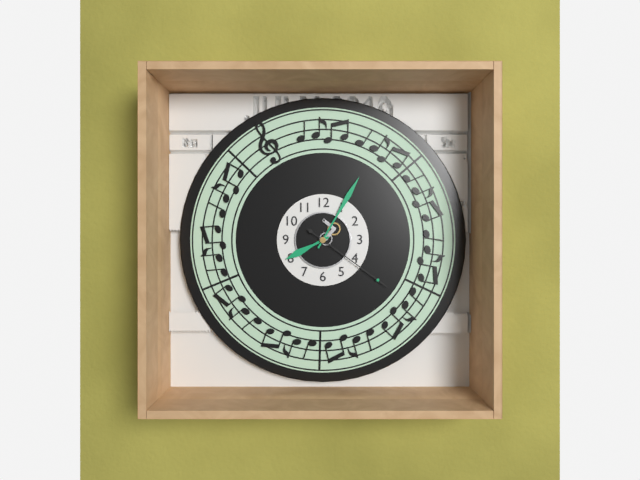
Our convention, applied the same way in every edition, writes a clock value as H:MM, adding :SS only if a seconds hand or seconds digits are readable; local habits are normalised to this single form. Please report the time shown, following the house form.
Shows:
8:05:21
